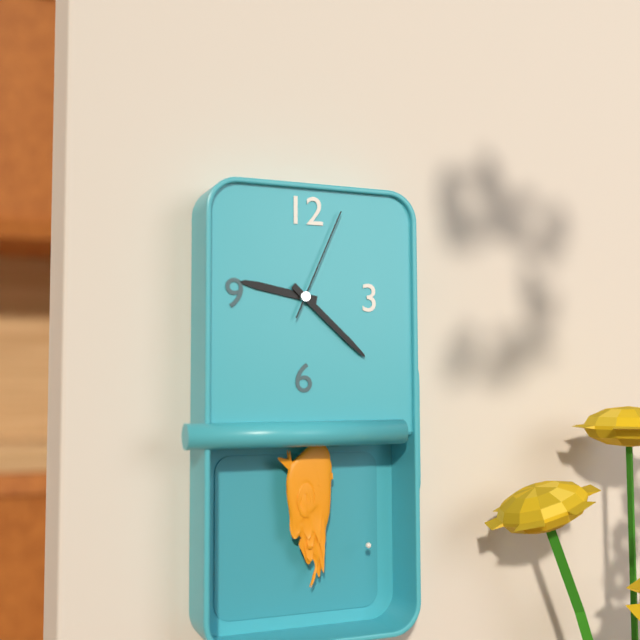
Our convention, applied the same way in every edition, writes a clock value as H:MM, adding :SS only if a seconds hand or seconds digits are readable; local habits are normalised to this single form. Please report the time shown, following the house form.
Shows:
9:22:04
